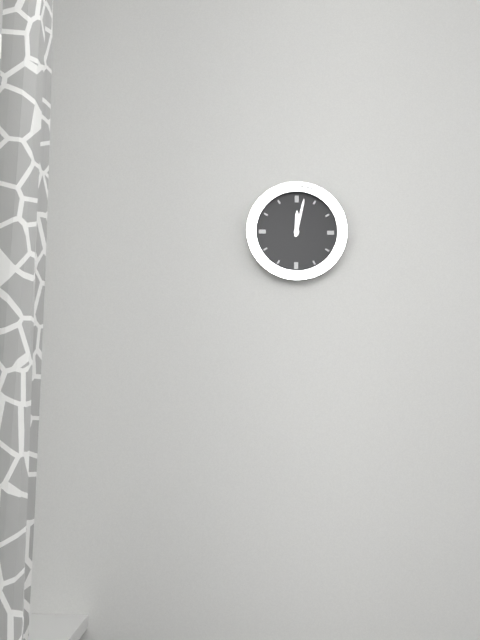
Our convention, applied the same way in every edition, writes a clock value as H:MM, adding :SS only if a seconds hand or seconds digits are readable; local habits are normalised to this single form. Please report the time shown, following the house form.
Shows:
12:02
